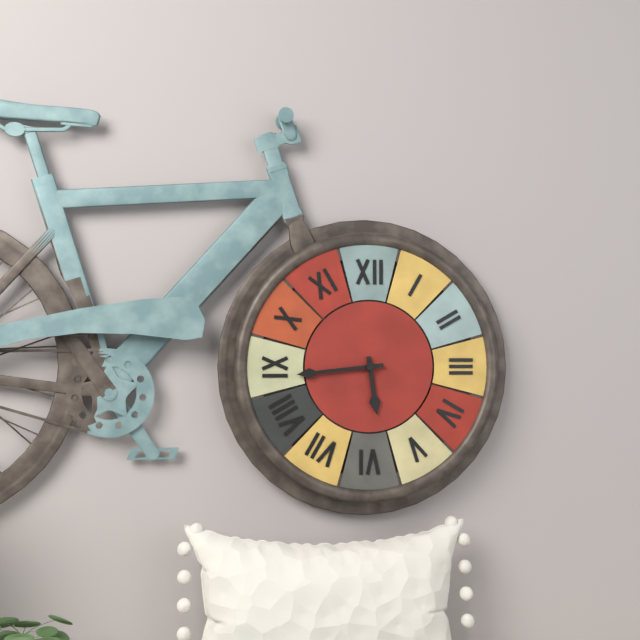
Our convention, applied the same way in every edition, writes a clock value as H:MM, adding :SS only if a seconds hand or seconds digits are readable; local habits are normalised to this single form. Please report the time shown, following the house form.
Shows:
5:44
